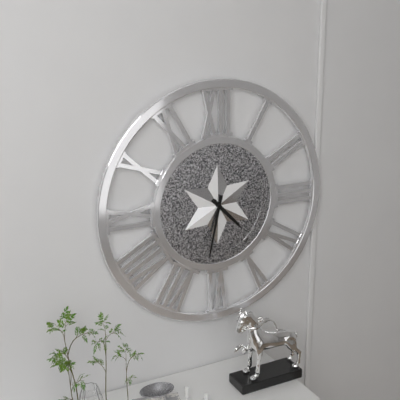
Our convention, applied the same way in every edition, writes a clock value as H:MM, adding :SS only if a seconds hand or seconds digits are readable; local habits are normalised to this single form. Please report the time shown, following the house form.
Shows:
4:32
